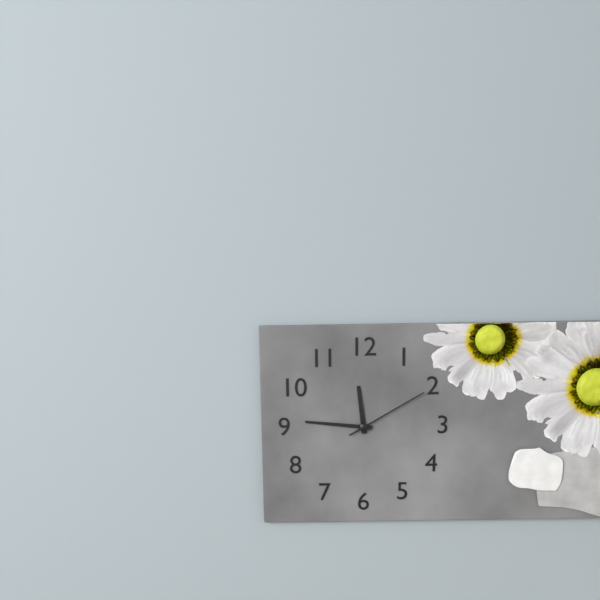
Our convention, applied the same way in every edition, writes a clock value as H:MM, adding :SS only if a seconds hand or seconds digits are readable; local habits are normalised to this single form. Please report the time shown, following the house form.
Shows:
11:46:10
